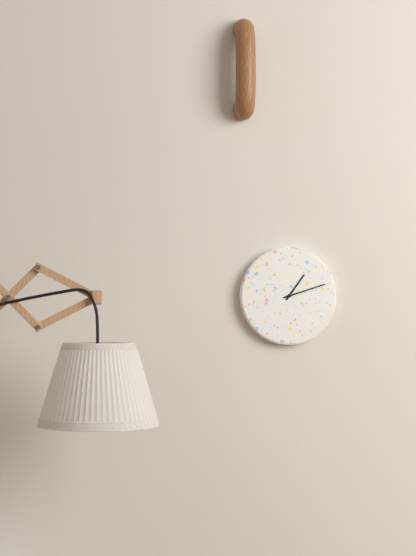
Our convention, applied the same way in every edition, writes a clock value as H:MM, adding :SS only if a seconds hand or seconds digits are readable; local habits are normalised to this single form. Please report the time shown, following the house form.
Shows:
1:12
